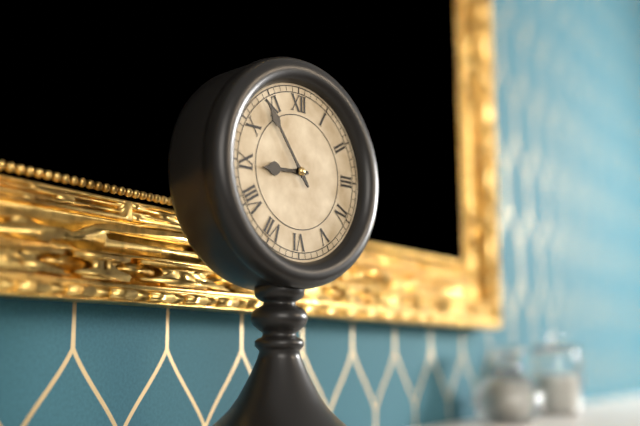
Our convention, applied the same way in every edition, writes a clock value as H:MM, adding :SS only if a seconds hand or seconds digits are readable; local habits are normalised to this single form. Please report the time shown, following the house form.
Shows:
8:54
